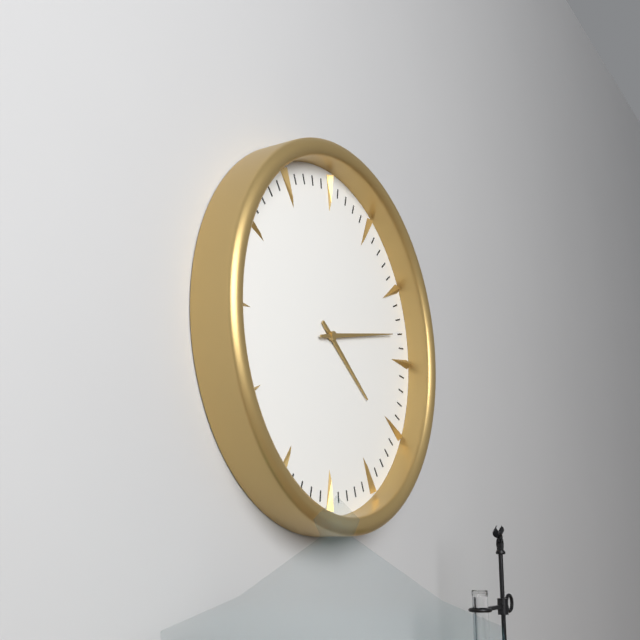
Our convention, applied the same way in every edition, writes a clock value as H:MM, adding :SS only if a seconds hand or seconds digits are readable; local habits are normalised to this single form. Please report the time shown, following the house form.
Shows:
4:13
